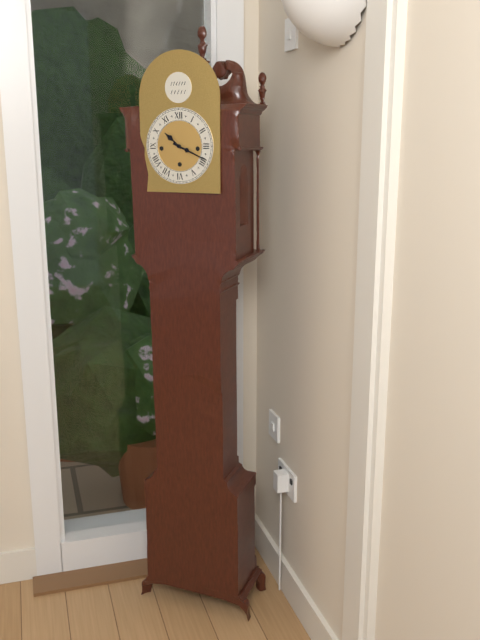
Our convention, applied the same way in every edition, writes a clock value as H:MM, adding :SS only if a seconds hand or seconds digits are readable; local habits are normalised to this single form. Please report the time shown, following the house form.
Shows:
10:19
